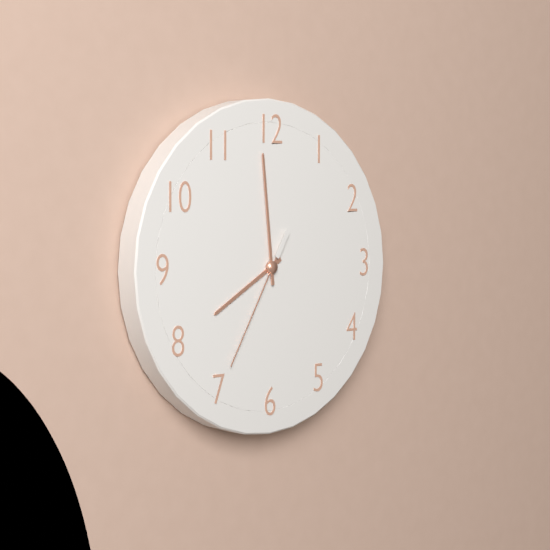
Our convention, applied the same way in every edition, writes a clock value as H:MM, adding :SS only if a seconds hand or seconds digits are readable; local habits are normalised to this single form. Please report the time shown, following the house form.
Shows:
7:59:35
